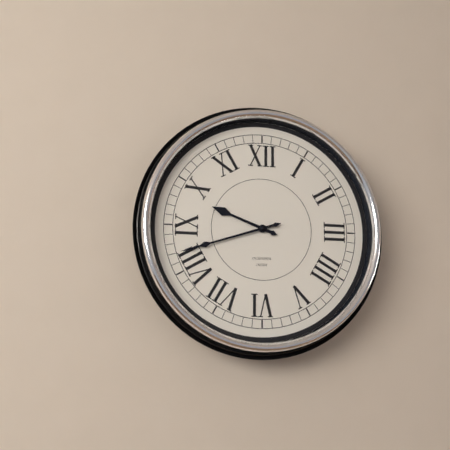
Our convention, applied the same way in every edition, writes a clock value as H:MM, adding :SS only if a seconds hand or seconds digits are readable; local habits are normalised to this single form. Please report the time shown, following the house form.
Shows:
9:42
